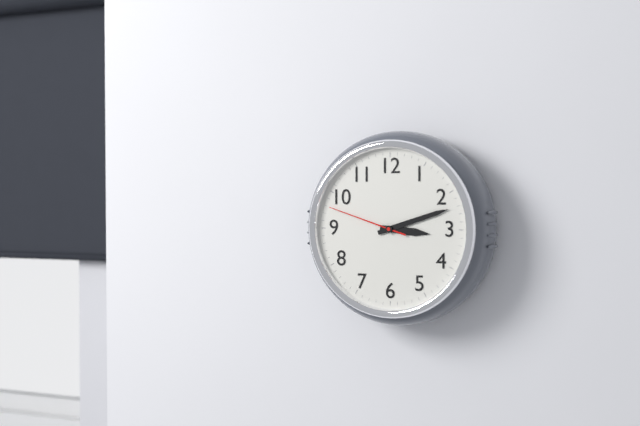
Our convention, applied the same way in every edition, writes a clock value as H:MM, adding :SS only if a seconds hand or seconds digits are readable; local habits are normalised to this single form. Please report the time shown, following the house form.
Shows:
3:12:48
